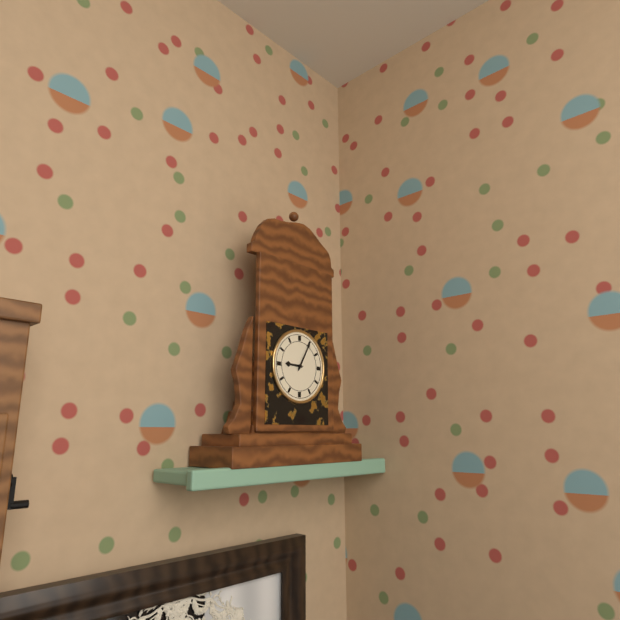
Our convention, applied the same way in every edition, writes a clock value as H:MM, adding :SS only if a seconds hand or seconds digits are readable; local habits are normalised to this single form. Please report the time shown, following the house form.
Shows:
9:05
